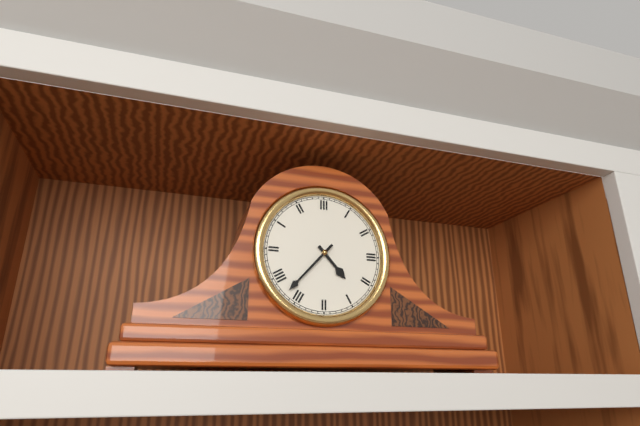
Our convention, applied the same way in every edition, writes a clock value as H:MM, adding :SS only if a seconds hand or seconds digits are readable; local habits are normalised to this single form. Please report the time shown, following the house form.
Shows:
4:37
